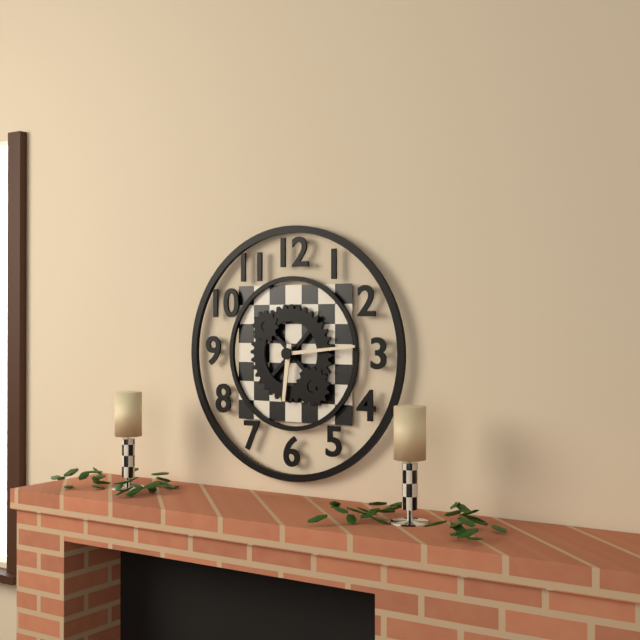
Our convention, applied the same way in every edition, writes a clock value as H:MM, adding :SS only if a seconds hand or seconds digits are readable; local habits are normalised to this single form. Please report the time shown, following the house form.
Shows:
6:14
